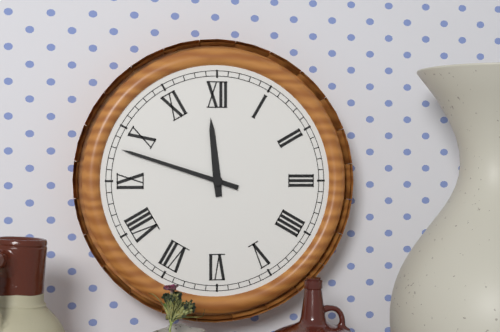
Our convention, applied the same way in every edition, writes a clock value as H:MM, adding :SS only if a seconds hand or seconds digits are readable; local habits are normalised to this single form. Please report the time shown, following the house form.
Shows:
11:48
